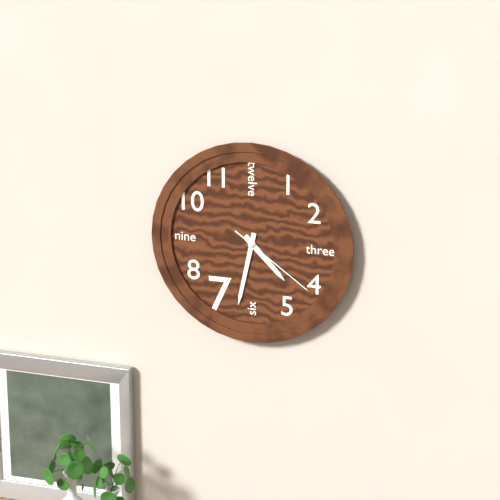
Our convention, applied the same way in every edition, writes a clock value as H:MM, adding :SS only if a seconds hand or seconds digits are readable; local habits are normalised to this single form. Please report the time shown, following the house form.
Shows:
4:32:21
